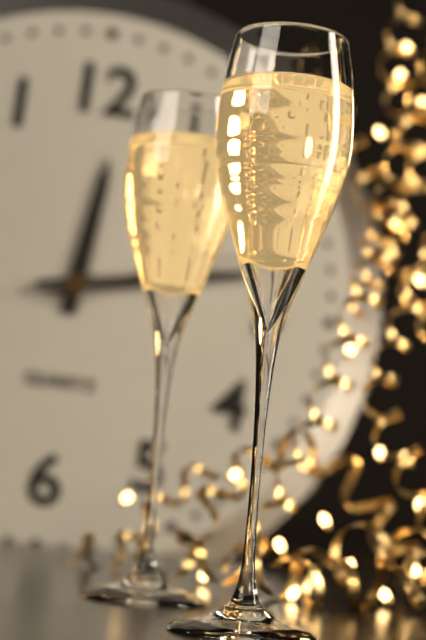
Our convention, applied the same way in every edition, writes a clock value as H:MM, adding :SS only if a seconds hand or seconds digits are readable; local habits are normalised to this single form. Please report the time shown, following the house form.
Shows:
12:13:12
